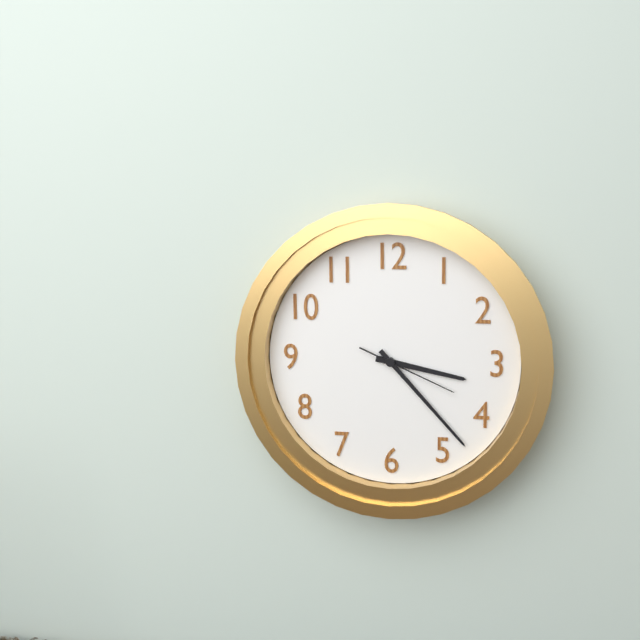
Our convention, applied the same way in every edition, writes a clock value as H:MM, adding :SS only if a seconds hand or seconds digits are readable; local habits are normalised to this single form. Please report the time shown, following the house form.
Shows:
3:23:19
